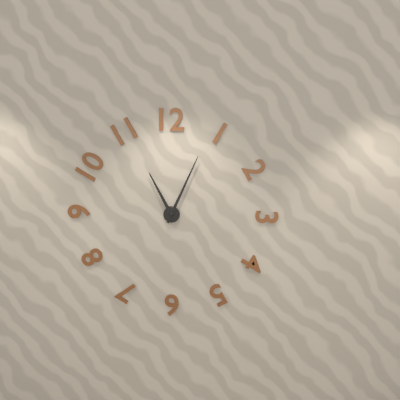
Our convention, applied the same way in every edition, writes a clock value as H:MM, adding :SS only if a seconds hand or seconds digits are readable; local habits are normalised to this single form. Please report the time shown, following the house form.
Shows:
11:04
